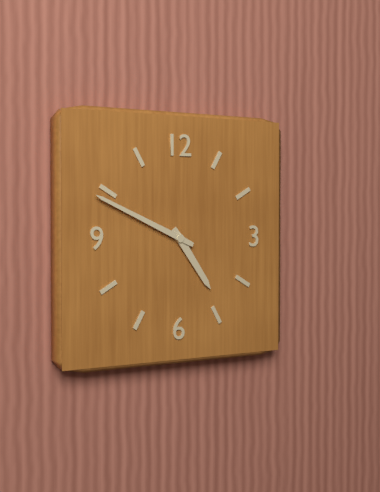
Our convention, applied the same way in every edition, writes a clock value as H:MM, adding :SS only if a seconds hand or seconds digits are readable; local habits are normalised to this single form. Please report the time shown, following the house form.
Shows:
4:49
